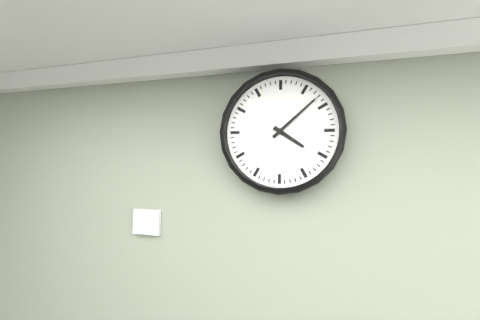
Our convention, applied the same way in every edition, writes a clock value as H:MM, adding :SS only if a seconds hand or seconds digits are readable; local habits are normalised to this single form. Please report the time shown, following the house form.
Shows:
4:08
